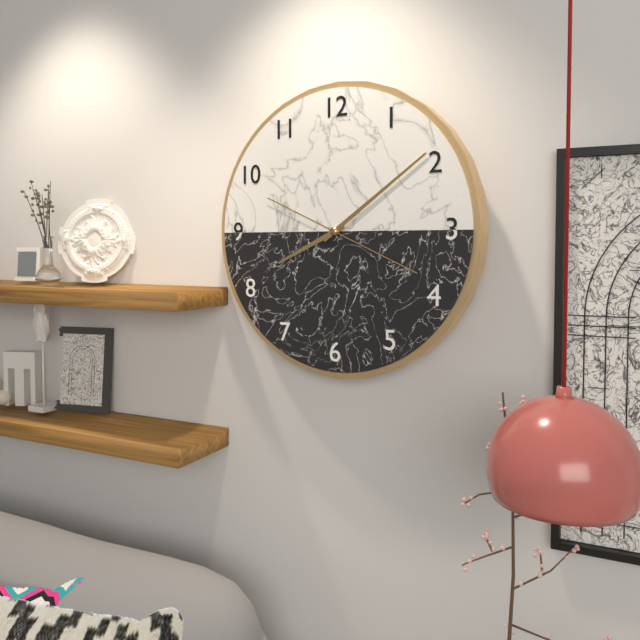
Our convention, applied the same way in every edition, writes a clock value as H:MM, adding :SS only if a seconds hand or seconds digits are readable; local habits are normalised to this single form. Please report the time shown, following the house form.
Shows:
8:09:19
